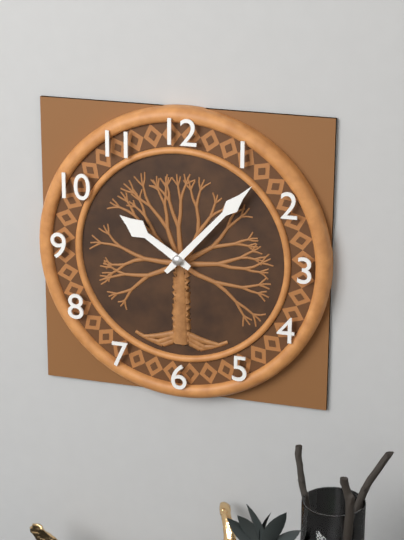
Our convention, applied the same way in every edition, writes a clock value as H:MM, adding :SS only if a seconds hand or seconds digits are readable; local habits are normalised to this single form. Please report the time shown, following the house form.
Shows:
10:07
